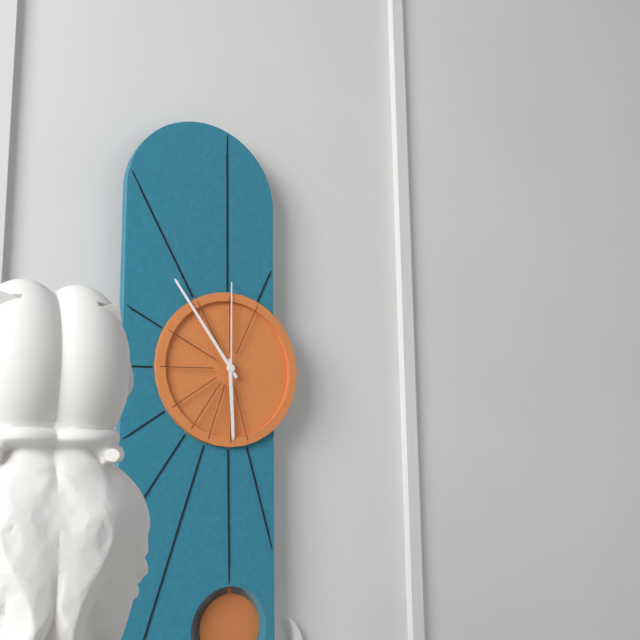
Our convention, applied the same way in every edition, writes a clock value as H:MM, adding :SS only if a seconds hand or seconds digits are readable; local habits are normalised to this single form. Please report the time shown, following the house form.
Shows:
5:54:00
